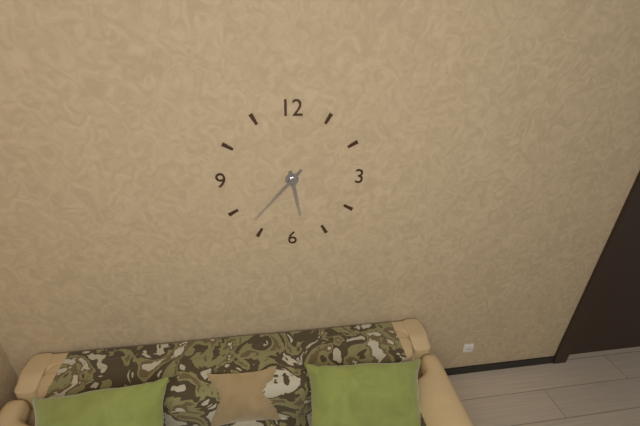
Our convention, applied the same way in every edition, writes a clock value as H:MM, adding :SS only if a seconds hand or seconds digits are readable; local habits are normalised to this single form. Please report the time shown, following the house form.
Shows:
5:37
